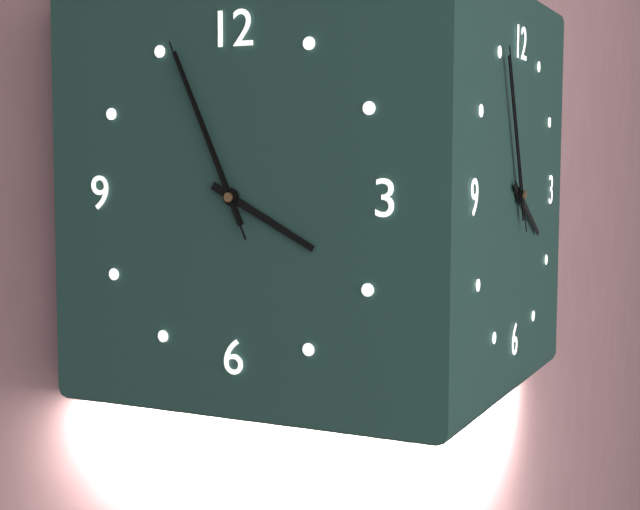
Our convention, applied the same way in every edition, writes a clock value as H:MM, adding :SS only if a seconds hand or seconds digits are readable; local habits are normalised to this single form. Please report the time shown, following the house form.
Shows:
3:56:56
